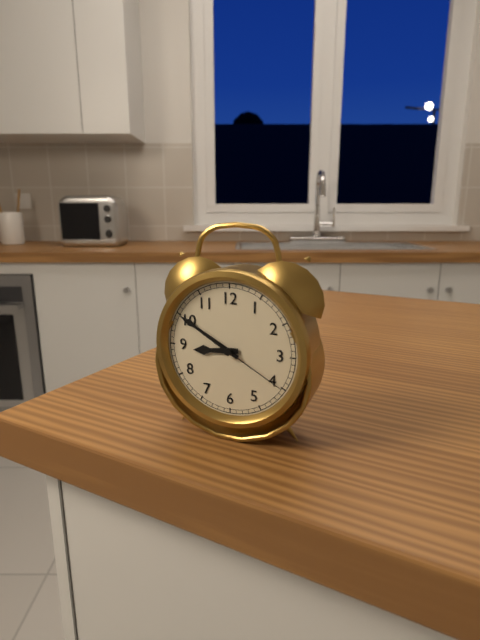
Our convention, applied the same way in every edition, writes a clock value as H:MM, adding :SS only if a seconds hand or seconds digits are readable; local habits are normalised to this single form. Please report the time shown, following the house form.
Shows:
8:50:20
